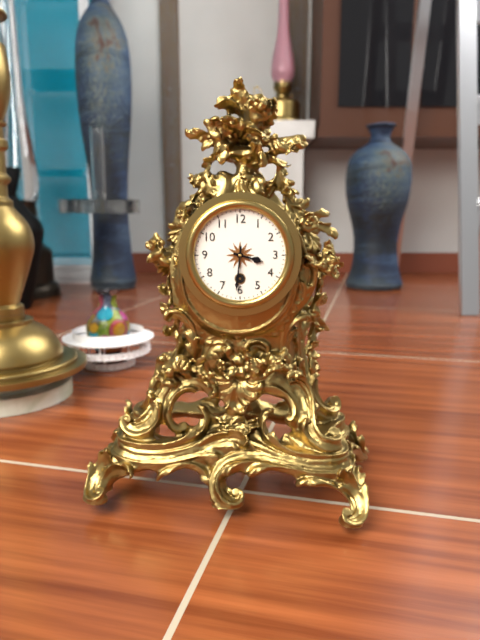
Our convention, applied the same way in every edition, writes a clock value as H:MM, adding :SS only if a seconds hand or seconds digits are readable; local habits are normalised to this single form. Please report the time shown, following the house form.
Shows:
3:31
